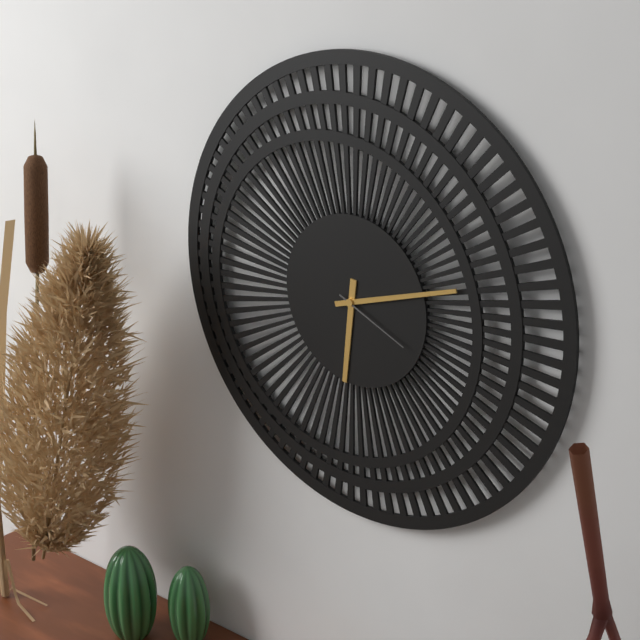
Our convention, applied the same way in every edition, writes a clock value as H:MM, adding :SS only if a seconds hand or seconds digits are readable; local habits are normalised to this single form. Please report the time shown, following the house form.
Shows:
6:12:19
